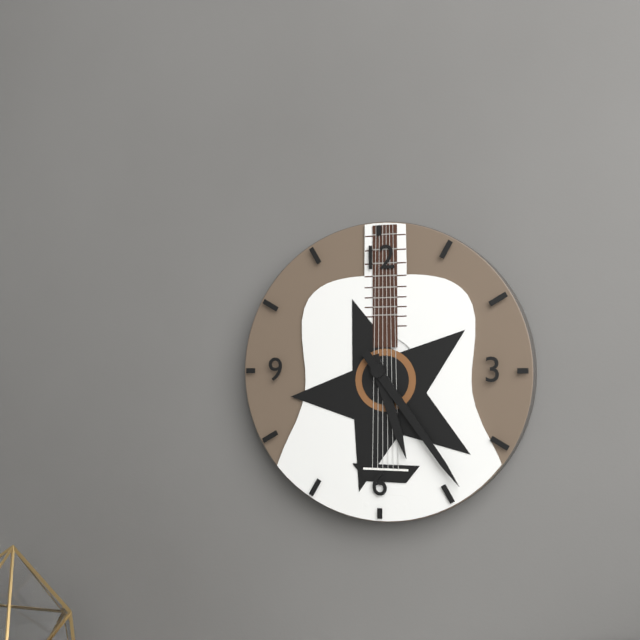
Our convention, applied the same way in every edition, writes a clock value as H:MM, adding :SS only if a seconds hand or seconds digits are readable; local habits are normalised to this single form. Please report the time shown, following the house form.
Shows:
5:24
